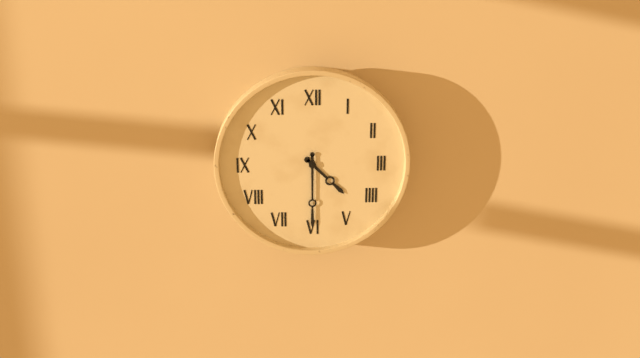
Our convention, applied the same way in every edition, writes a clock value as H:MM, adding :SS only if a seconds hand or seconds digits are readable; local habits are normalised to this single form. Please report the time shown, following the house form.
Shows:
4:30
